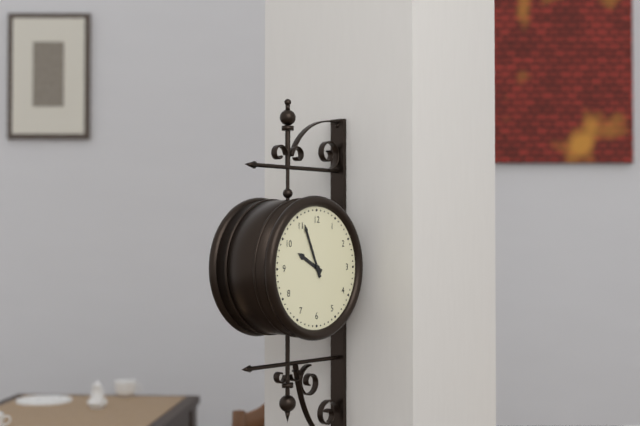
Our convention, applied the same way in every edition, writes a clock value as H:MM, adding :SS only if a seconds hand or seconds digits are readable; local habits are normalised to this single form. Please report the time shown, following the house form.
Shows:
9:56
